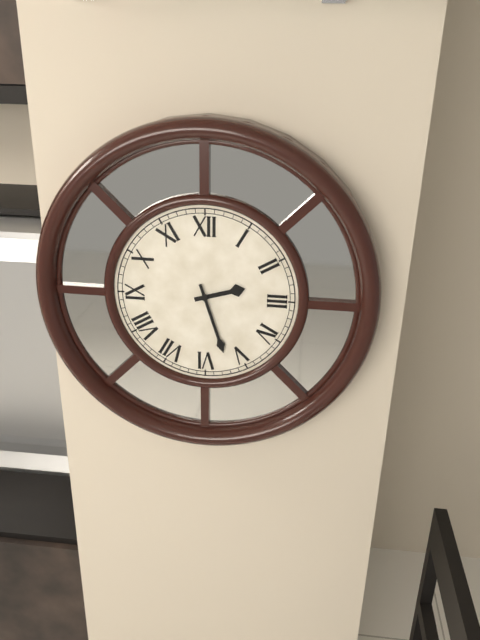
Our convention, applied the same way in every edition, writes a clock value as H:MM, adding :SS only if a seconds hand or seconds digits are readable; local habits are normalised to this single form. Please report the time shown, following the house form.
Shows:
2:27
